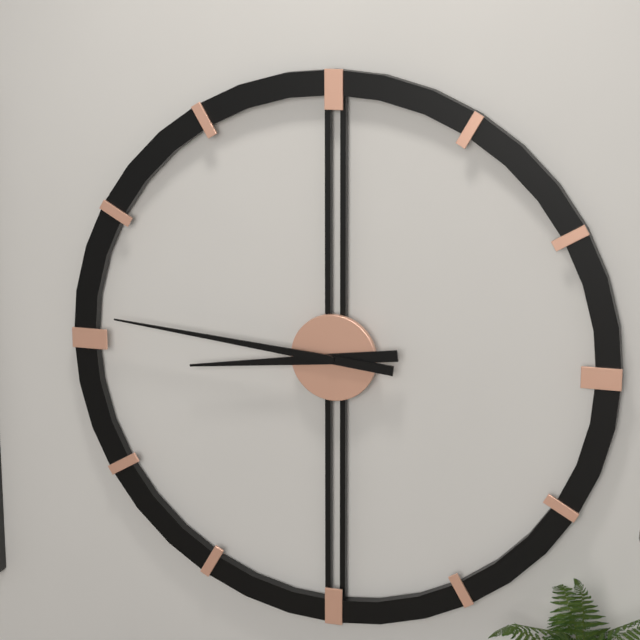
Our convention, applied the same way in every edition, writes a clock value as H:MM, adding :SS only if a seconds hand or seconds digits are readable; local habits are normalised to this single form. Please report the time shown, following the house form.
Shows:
8:46
